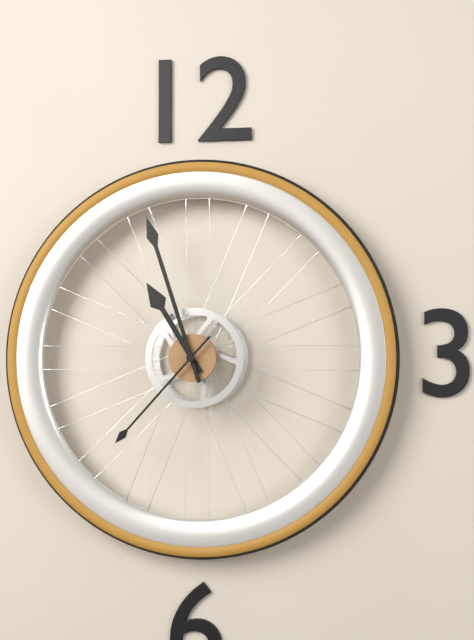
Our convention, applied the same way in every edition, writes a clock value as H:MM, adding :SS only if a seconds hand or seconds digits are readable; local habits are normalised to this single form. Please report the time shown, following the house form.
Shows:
10:57:37
